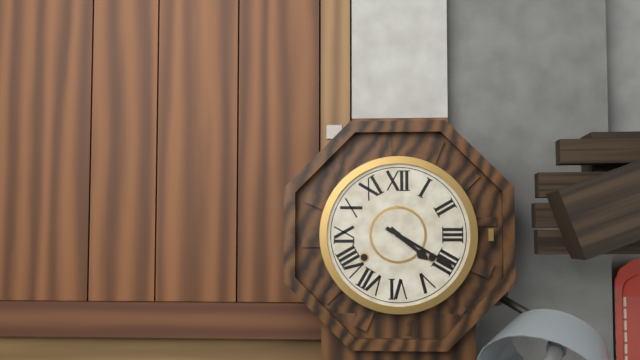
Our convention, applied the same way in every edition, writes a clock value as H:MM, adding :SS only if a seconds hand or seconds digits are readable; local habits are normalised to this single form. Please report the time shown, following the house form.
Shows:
4:20
